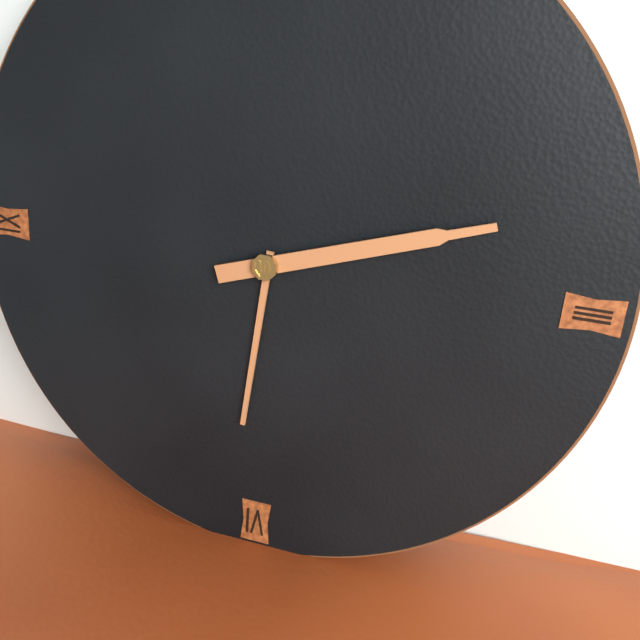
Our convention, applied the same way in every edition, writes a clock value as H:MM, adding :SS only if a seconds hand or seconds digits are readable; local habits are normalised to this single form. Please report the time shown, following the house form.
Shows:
6:12
